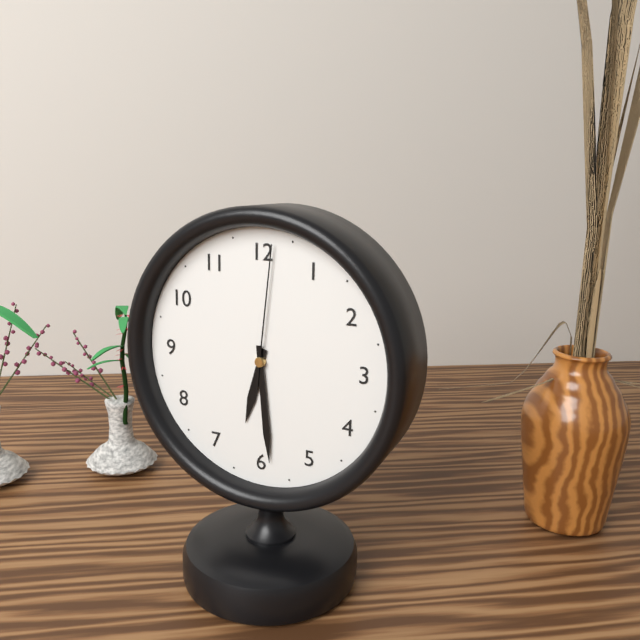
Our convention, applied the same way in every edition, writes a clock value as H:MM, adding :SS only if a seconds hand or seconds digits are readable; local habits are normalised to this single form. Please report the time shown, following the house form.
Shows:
6:29:01
